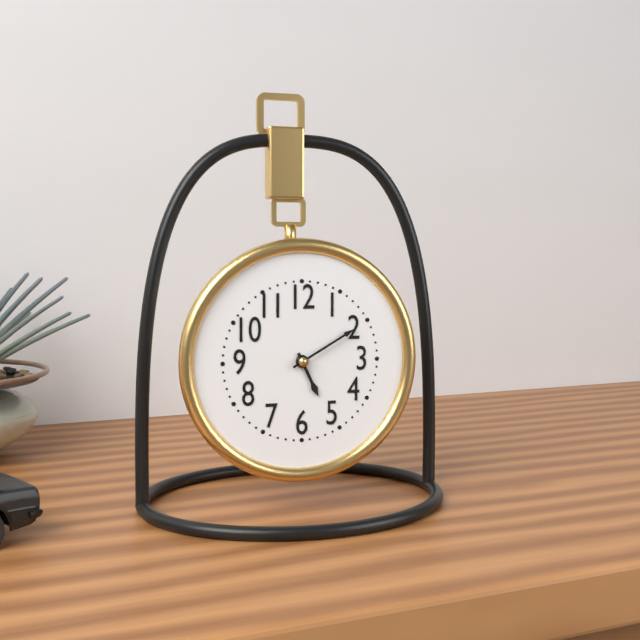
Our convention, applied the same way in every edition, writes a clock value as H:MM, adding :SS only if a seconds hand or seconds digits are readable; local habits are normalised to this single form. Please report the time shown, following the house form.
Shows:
5:10
